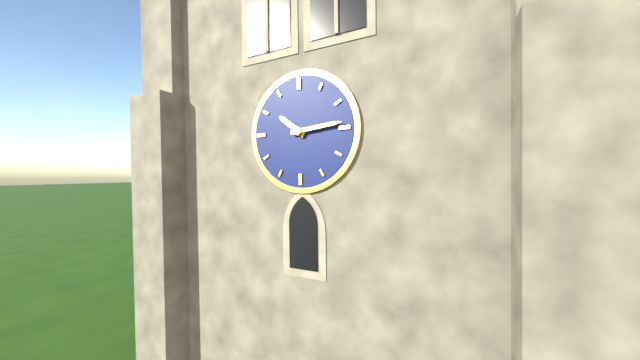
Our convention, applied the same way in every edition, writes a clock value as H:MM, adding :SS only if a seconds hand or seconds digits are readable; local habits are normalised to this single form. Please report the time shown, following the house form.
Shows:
10:14
